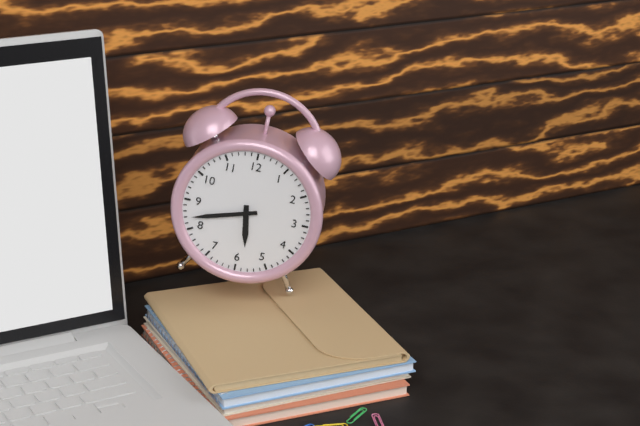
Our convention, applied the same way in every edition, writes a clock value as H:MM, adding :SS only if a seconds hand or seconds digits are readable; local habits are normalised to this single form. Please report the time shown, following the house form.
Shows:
5:42
